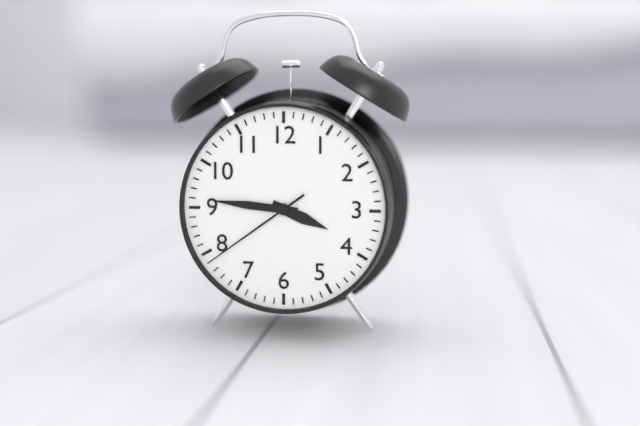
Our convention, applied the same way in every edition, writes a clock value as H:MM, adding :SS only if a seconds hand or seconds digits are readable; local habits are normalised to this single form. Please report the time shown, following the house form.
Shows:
3:46:39
